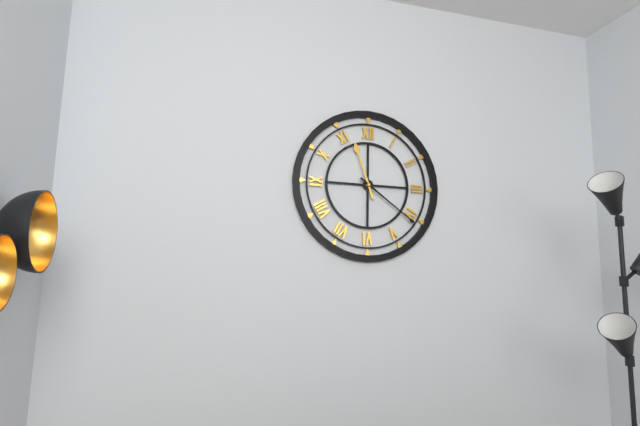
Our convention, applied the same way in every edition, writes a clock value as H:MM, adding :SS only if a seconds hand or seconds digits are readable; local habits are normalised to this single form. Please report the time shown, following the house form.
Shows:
11:21
